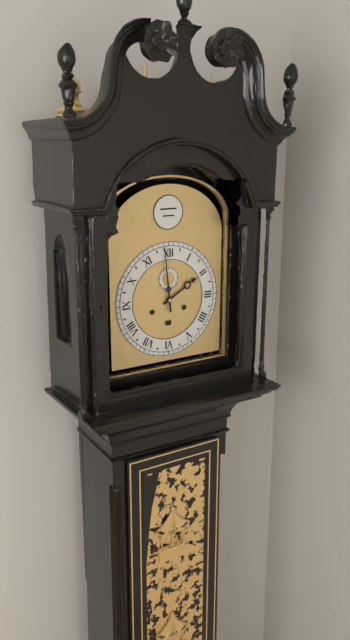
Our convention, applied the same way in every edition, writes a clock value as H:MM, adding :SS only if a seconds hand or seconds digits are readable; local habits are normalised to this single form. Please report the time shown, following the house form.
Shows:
1:59
